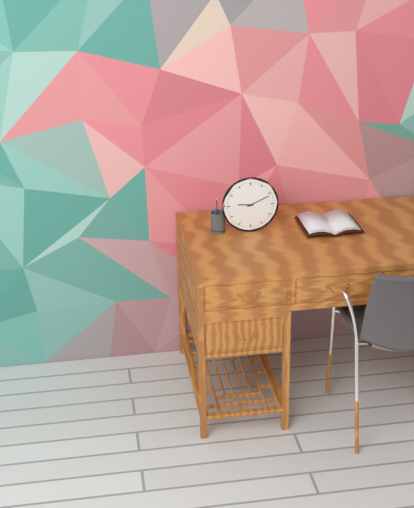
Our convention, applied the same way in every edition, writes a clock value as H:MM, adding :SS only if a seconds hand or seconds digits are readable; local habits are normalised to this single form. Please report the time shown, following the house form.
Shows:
9:11
